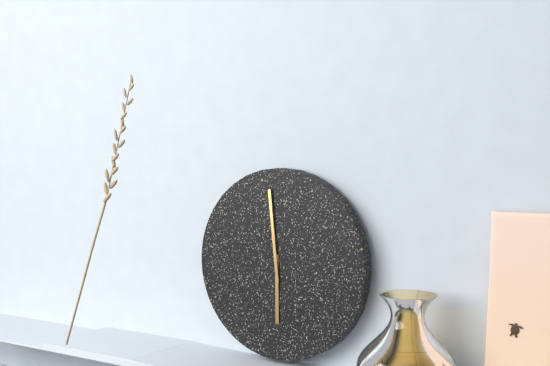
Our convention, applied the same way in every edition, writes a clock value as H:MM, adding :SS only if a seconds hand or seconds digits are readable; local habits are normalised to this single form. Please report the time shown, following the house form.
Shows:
5:59
